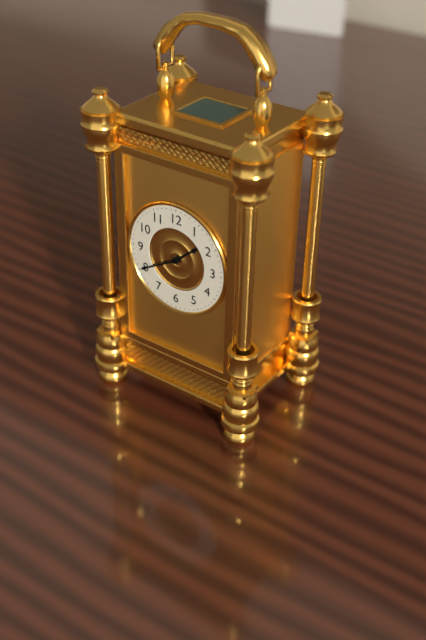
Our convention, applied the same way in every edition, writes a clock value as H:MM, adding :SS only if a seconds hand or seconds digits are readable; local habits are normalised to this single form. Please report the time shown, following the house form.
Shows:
1:40
